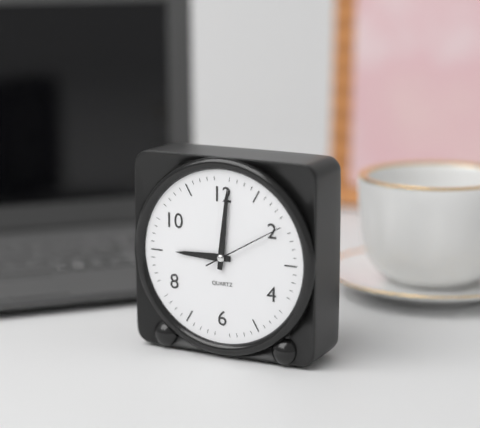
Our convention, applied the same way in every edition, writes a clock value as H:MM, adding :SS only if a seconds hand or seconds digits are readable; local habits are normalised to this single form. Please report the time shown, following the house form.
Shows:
9:01:10
